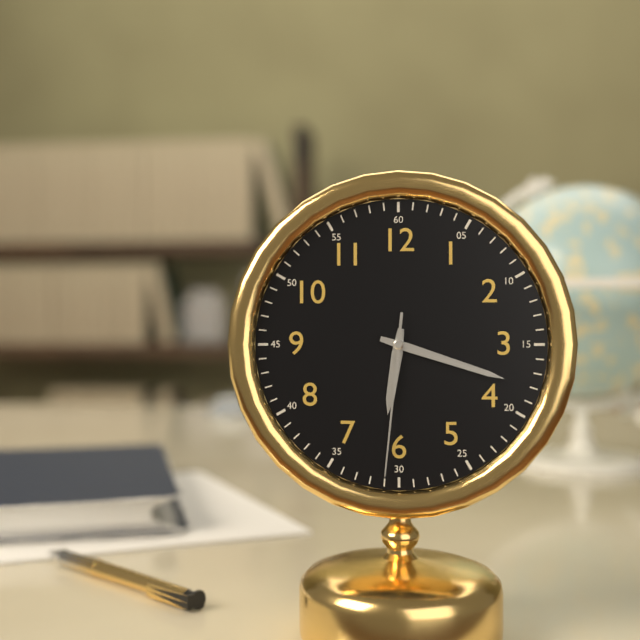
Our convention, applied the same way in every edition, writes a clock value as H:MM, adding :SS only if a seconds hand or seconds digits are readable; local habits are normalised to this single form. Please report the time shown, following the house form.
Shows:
6:18:31
